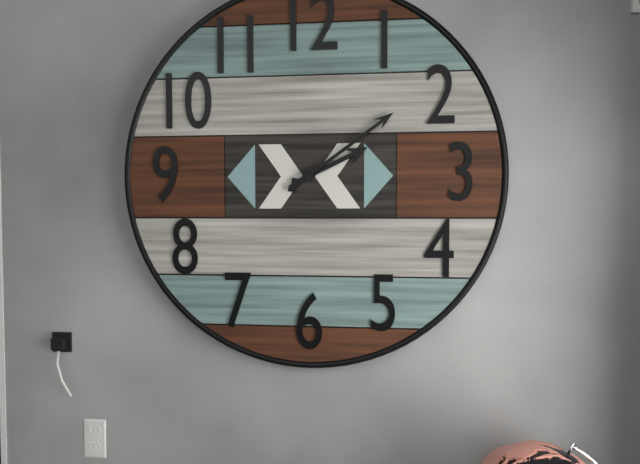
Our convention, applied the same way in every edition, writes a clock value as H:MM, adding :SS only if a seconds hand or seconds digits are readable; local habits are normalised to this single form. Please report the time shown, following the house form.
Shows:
2:09
